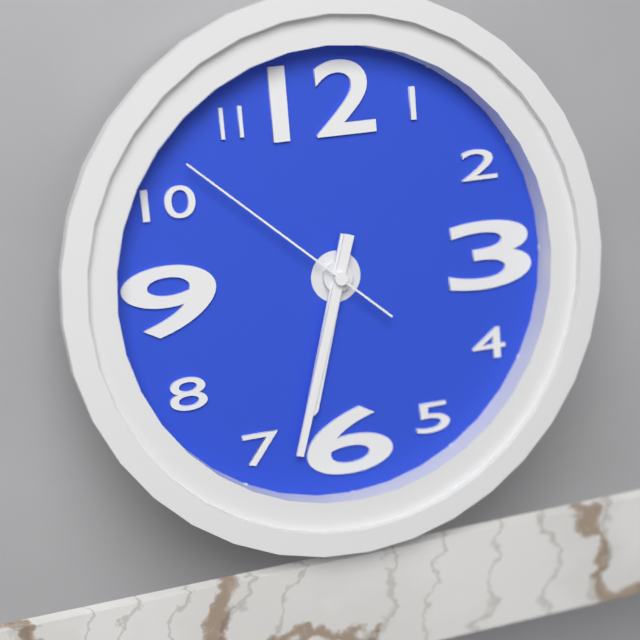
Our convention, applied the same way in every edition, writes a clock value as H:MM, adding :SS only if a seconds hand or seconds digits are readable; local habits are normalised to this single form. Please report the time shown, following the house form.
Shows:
6:33:52
